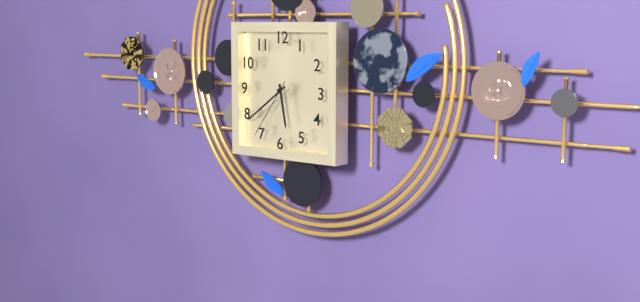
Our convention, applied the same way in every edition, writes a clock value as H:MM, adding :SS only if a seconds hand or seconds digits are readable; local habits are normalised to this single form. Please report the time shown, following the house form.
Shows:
5:39:36
